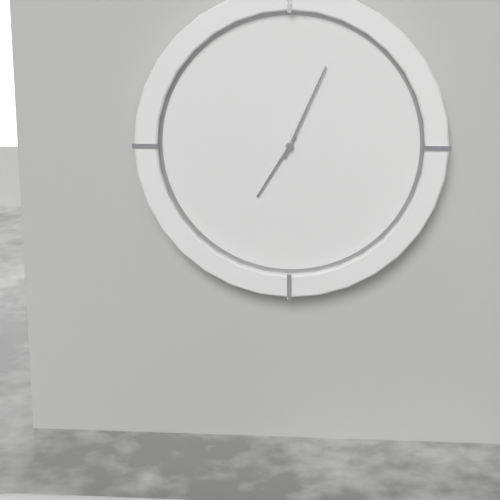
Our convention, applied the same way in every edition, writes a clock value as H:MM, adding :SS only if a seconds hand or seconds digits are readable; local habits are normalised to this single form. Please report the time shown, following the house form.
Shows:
7:04
